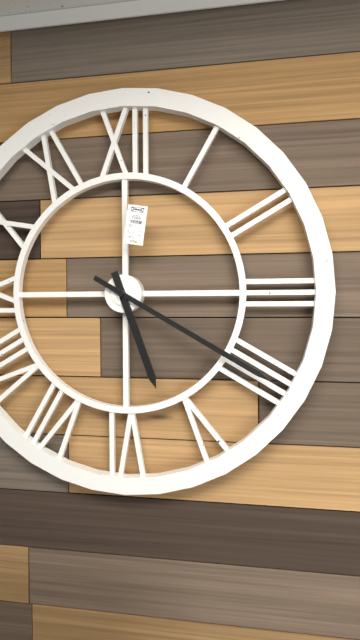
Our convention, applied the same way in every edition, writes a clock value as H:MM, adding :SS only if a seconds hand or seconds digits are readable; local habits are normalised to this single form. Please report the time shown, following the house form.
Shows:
5:20
